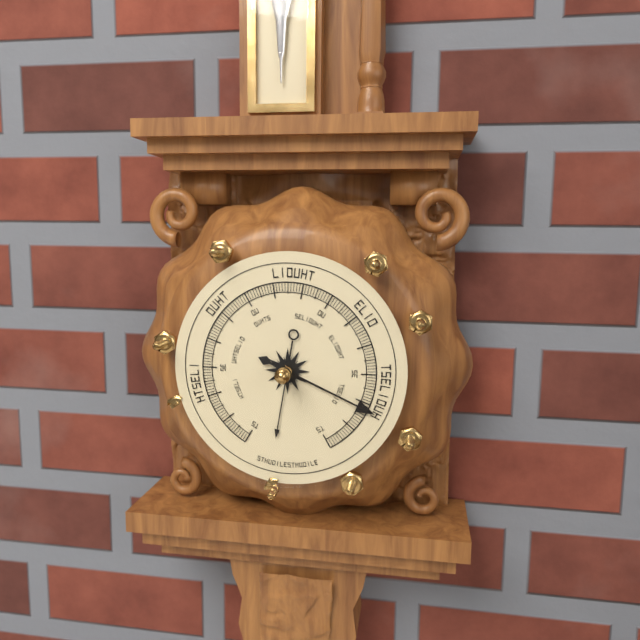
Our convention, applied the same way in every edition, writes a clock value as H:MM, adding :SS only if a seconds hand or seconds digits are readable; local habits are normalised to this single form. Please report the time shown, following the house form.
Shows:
6:19
